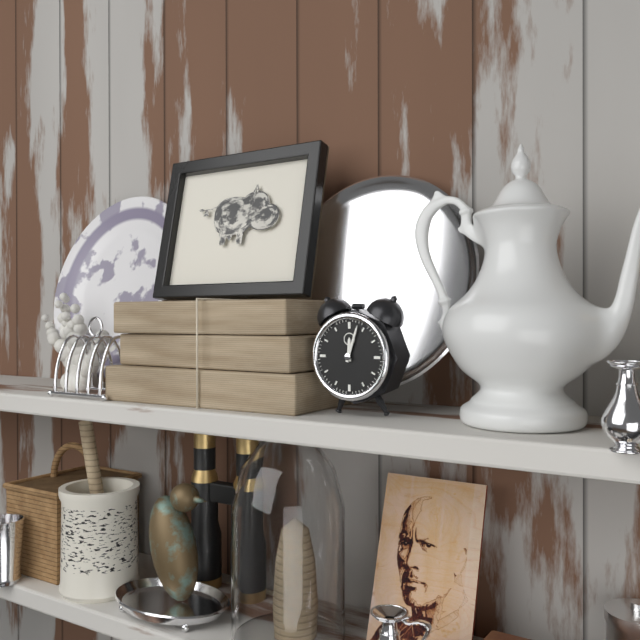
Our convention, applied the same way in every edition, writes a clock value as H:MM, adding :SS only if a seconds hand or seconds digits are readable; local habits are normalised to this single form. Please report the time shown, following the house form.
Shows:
12:03
